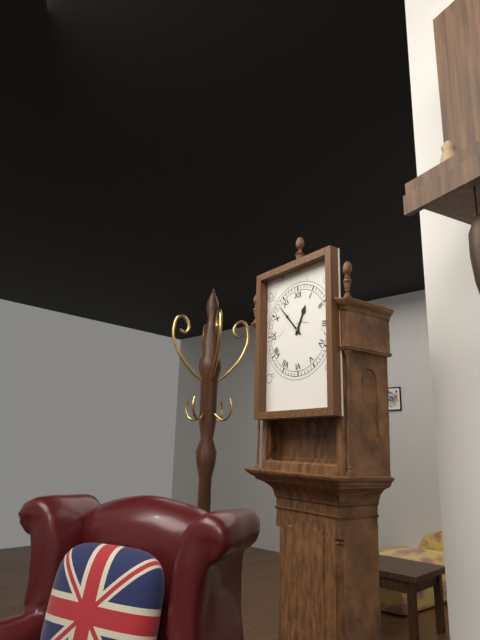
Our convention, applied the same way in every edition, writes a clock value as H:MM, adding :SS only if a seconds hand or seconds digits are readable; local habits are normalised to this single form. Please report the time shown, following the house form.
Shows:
12:53
